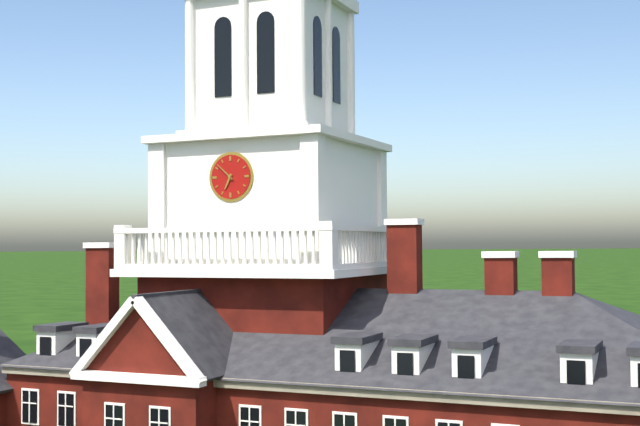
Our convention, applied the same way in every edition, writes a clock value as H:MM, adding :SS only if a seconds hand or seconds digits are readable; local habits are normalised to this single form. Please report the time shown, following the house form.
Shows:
6:52
